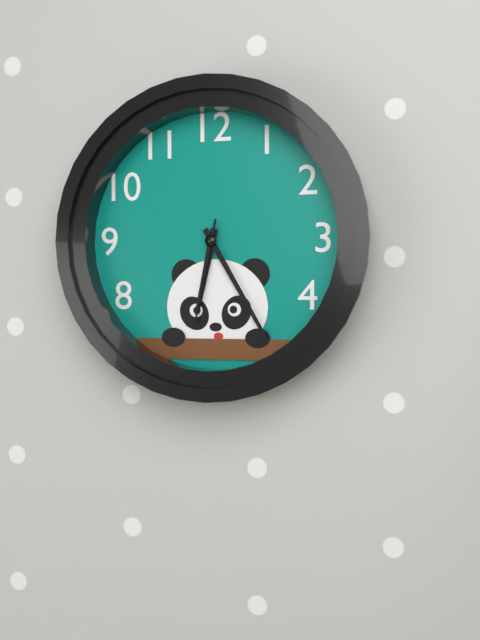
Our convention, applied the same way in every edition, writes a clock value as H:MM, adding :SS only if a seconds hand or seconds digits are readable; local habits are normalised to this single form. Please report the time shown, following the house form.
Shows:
6:25:32
